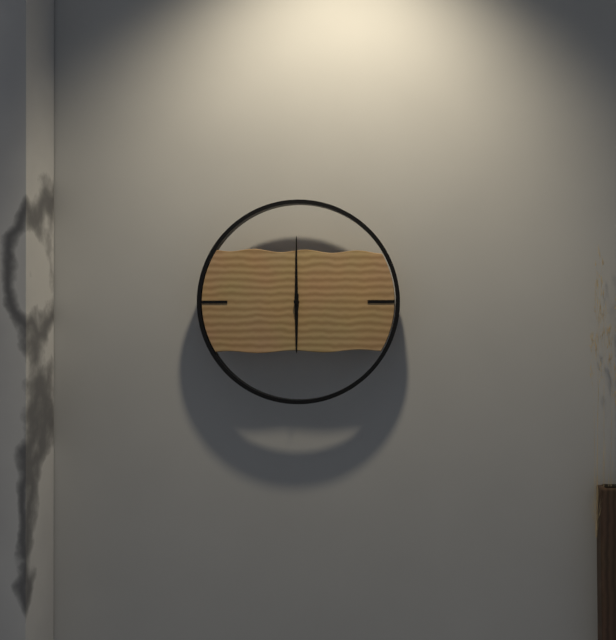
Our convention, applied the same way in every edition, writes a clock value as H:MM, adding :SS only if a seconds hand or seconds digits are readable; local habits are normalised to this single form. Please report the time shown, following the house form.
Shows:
6:00
